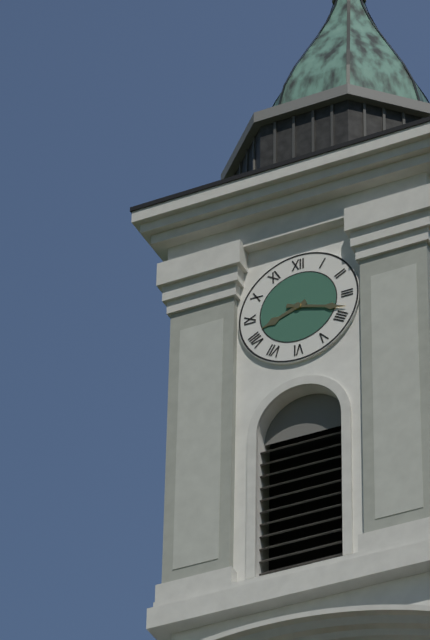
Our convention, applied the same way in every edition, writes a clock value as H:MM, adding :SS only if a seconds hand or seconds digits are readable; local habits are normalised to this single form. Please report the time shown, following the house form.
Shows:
8:18
